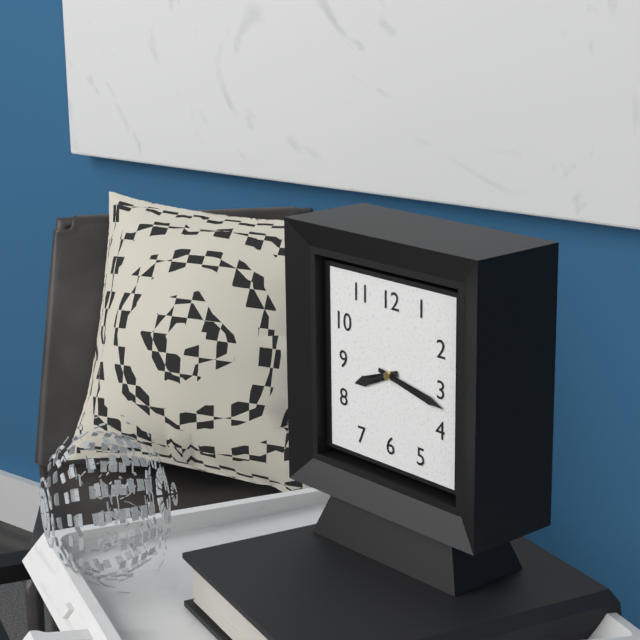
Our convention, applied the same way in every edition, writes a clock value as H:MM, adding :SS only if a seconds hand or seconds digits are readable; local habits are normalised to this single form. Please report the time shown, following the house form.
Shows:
8:17
